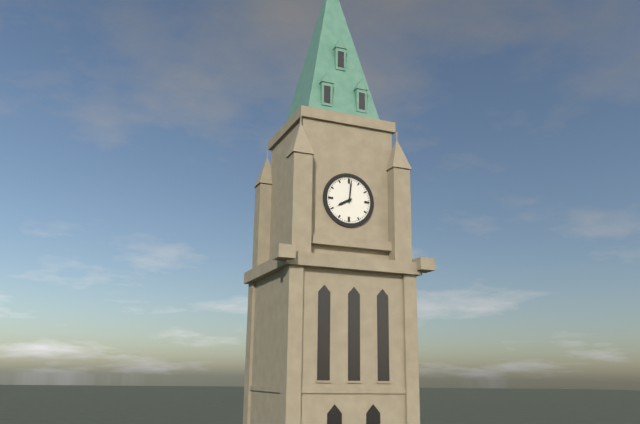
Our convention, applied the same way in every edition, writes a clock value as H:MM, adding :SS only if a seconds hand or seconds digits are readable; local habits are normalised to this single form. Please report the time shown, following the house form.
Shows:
8:01
